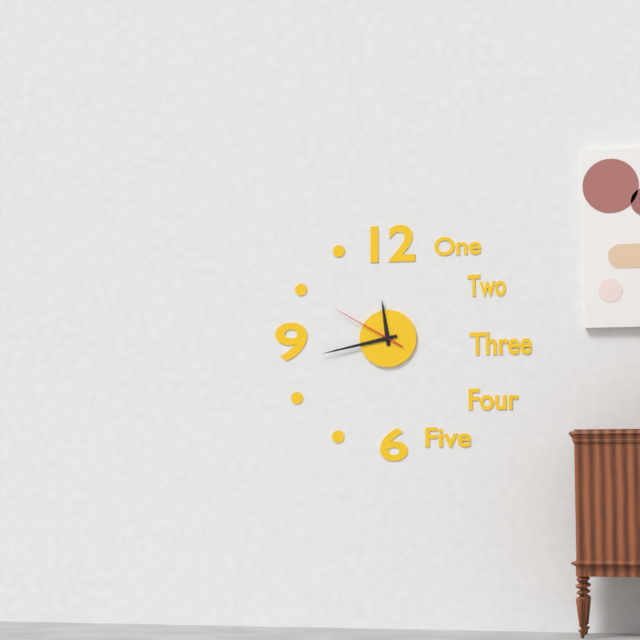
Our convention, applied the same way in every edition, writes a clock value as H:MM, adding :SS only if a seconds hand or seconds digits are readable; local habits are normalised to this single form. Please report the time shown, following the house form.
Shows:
11:43:50
